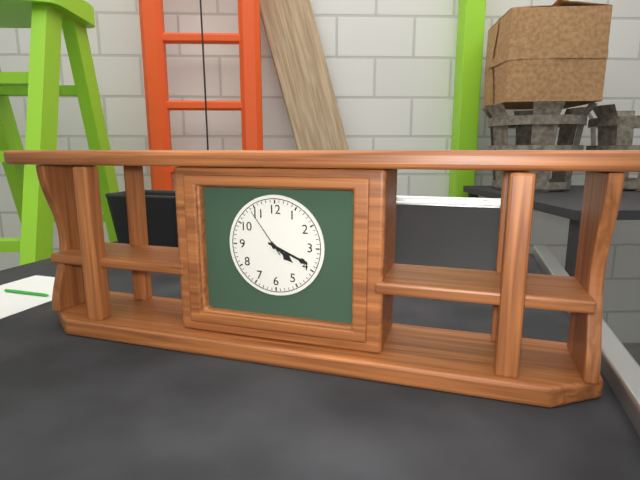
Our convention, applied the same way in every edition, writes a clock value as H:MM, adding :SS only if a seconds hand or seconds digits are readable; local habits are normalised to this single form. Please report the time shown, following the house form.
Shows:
4:19:54
